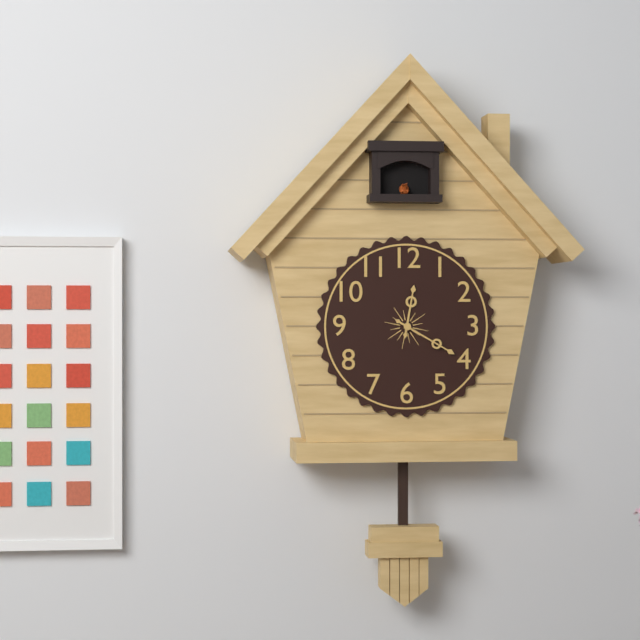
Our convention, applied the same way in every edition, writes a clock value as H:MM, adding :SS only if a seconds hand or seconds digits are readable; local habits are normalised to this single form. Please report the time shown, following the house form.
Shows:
12:20
